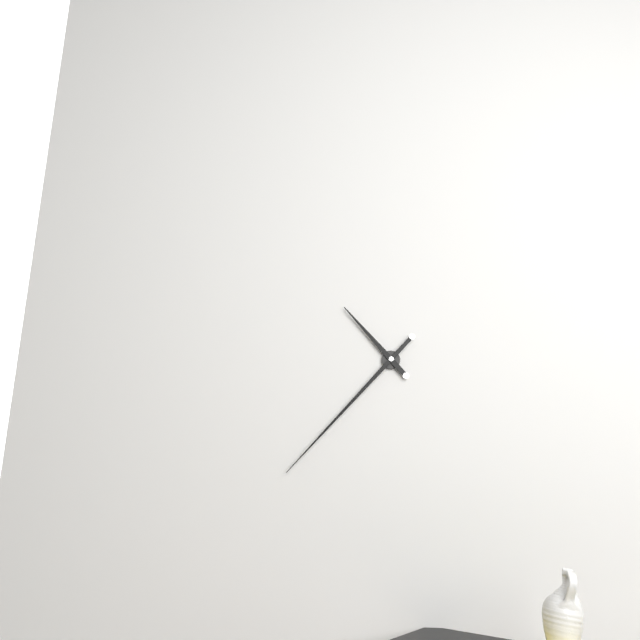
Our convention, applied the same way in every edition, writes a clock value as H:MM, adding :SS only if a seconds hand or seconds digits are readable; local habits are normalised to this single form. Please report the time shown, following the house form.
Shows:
10:37
